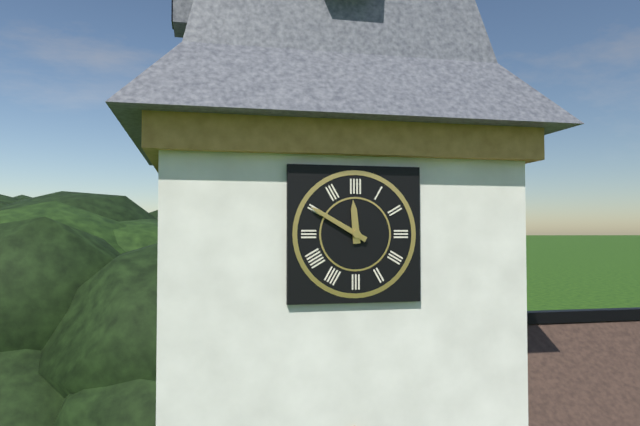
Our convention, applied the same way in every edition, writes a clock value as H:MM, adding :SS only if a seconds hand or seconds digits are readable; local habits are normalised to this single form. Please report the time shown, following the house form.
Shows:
11:50
